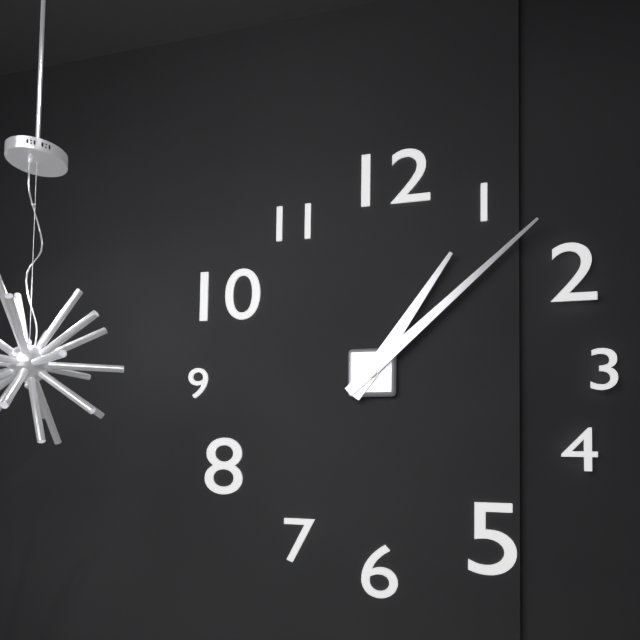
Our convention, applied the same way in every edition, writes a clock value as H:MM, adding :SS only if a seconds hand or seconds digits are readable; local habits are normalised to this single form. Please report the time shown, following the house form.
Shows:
1:08
